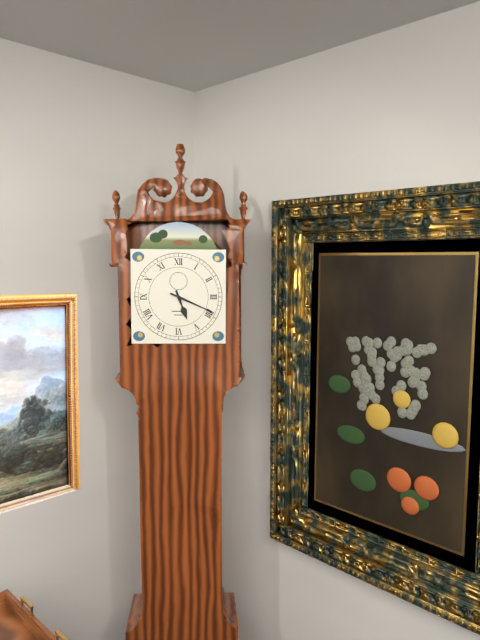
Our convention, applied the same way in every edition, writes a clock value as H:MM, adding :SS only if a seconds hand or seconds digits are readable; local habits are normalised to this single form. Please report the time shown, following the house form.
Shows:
5:19
